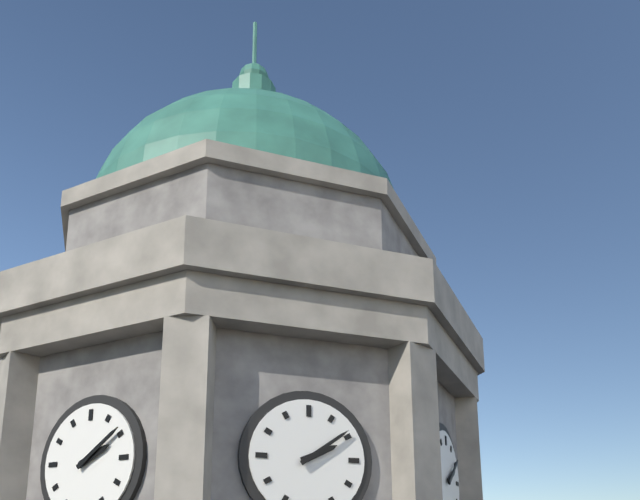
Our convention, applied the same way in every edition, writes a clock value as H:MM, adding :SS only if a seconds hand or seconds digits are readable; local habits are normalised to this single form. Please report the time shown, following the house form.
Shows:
2:09
